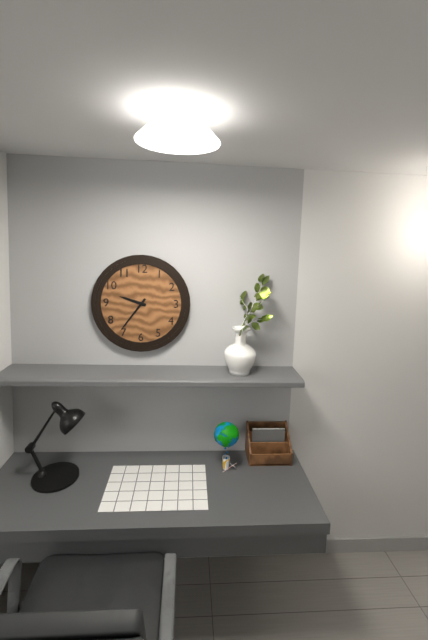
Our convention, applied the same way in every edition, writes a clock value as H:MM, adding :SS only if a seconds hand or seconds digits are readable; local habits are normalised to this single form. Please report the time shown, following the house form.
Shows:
9:36
